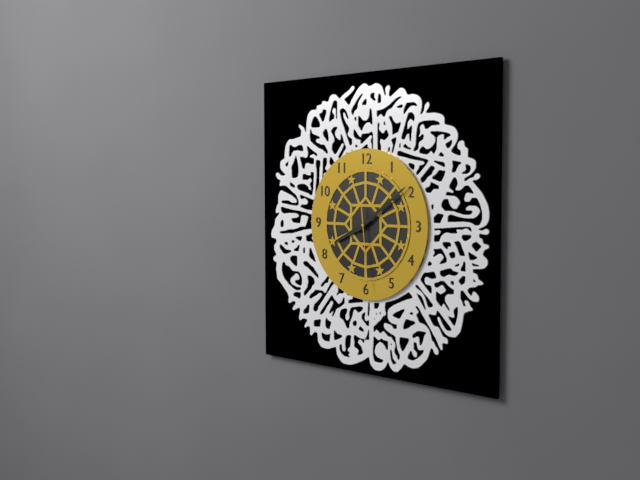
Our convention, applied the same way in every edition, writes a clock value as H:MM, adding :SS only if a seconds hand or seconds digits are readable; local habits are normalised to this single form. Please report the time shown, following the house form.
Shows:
8:09:29
